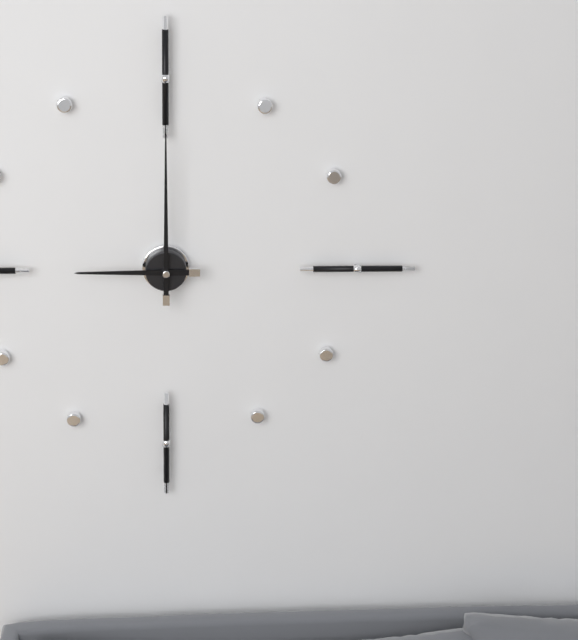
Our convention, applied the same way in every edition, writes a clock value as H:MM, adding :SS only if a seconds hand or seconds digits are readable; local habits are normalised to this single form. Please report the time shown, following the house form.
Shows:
9:00
